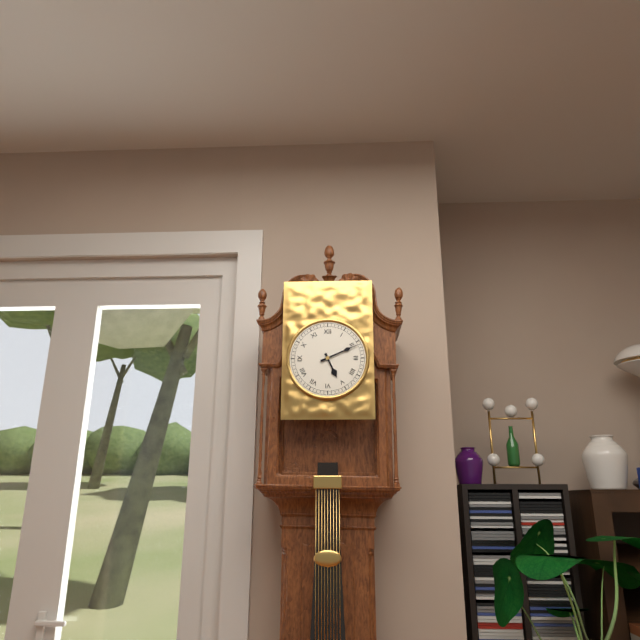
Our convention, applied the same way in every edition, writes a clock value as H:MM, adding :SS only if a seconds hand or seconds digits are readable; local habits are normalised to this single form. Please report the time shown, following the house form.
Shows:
5:11
